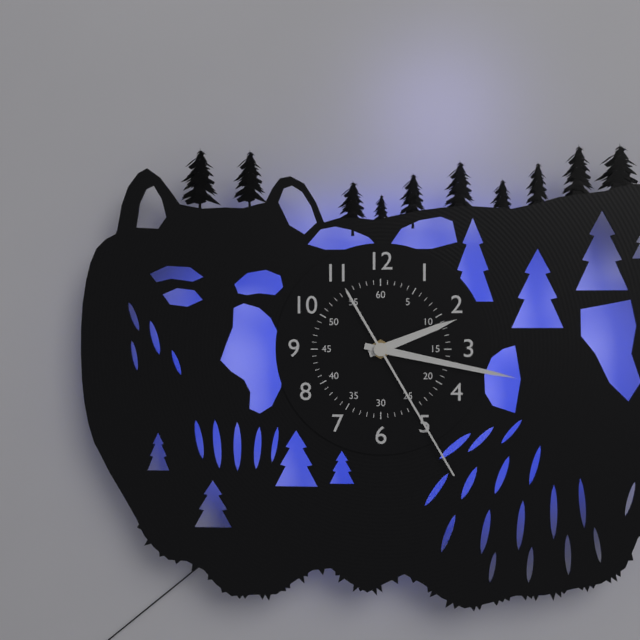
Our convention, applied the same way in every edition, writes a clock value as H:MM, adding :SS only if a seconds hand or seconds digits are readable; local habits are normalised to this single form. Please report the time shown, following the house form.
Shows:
2:17:25
